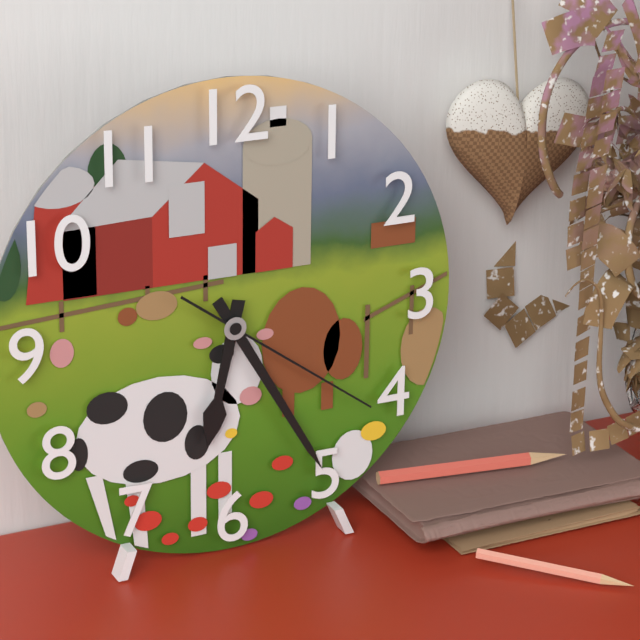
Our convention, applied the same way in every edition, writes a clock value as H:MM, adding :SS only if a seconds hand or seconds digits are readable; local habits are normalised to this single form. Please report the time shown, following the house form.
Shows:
6:25:21
